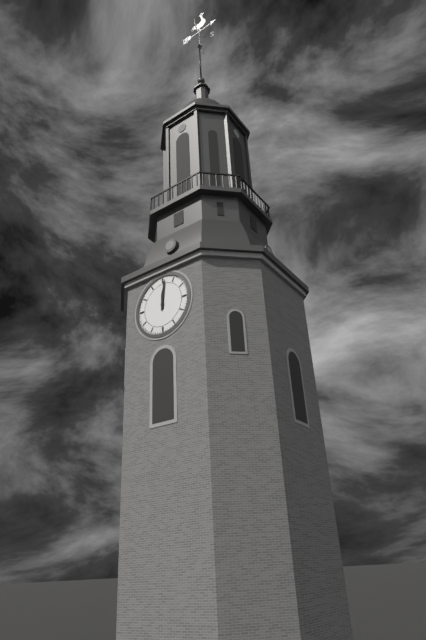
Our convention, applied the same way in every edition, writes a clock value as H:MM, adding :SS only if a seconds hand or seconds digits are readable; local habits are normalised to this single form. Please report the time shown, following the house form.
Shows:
12:01
